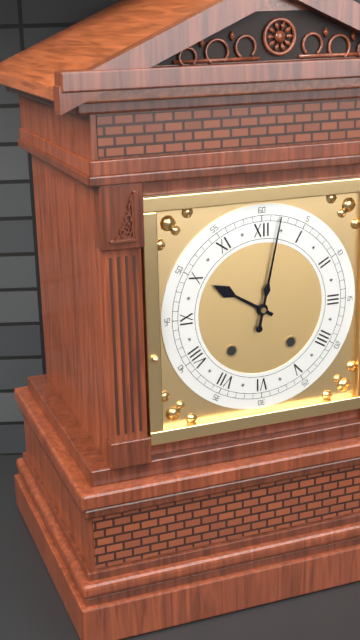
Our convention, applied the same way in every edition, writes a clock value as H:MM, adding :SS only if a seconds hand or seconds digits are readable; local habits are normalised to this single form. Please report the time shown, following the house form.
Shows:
10:02
